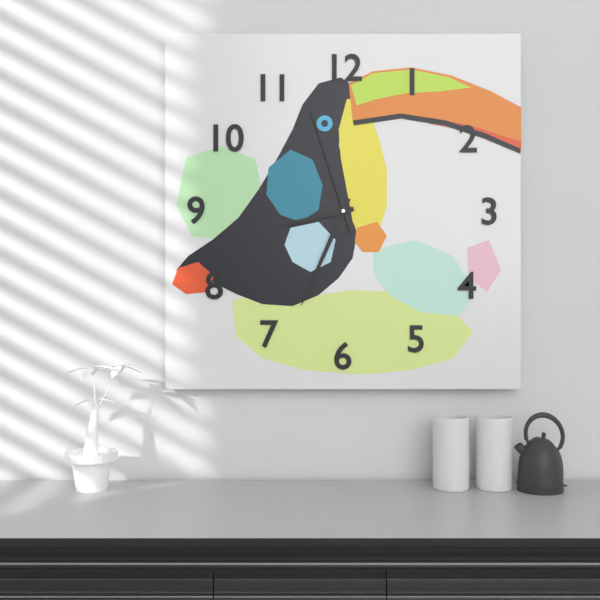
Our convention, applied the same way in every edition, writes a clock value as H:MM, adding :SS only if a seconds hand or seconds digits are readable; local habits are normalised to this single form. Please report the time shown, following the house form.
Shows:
8:34:57
